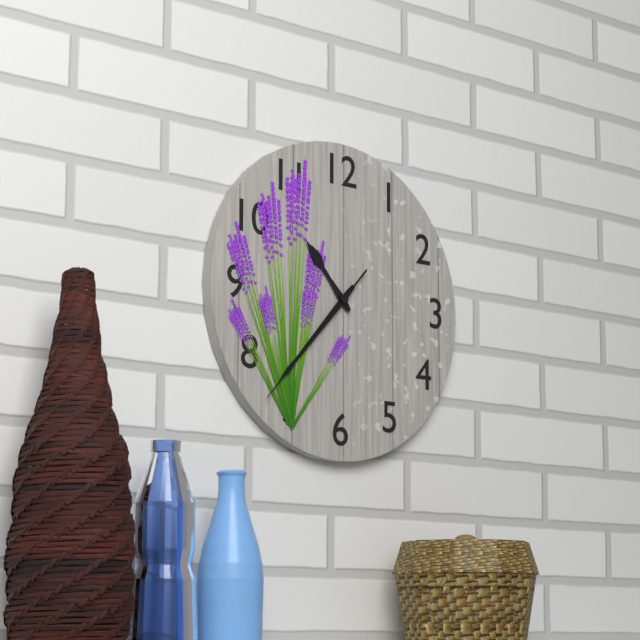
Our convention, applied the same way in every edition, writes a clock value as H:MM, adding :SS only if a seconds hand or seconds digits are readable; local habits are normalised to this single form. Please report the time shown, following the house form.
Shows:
10:37:37
